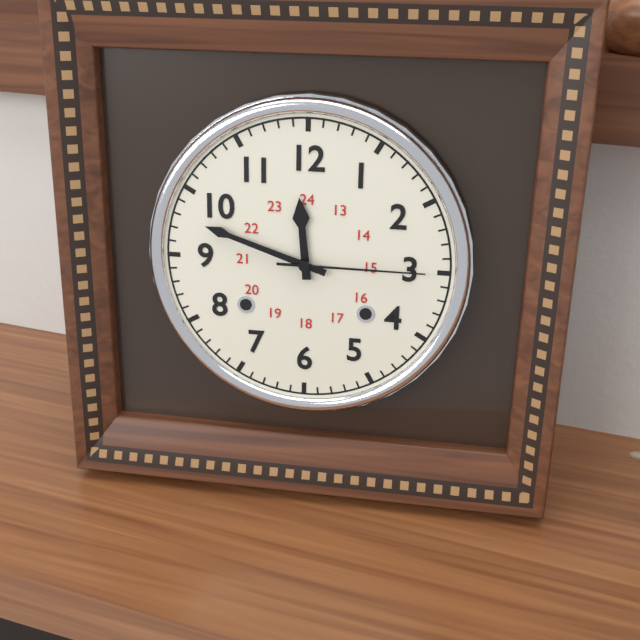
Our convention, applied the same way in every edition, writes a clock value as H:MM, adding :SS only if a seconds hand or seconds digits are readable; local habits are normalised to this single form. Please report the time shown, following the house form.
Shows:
11:48:15
